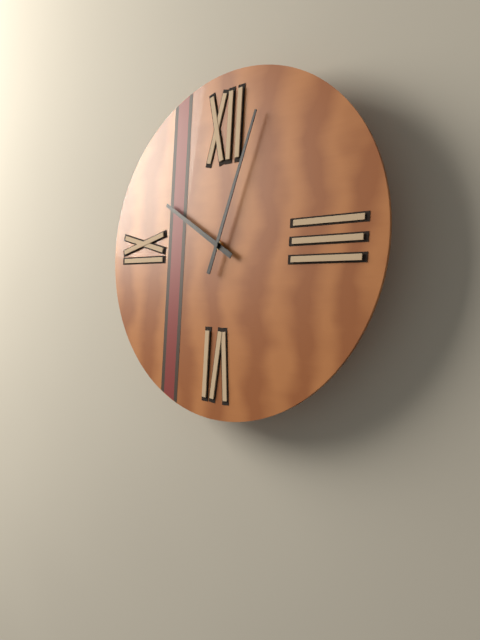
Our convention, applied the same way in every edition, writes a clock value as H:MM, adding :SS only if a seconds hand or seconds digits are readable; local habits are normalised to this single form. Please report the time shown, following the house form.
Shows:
10:03
